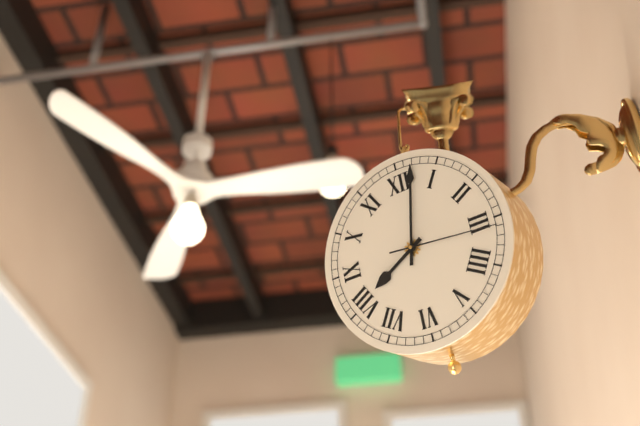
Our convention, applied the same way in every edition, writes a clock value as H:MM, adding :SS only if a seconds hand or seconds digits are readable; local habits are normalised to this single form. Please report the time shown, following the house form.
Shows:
8:02:16
